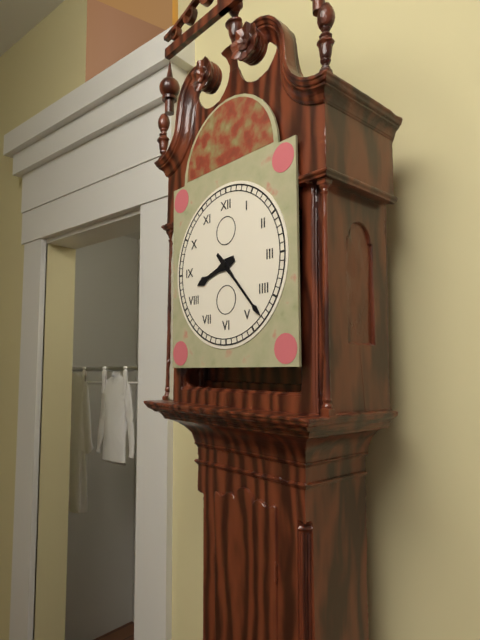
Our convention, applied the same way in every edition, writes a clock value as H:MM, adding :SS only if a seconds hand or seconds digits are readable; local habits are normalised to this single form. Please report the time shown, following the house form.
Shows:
8:23
